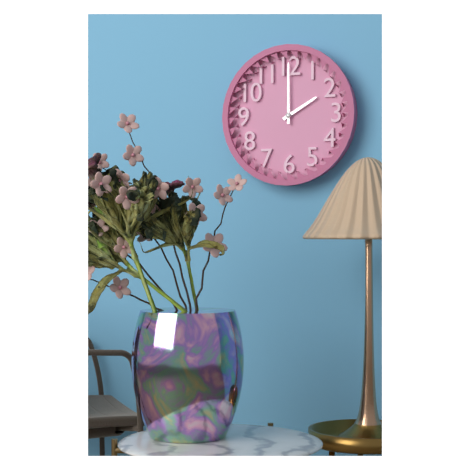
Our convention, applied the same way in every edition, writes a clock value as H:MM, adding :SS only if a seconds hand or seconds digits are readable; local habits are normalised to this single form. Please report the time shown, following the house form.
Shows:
2:00
